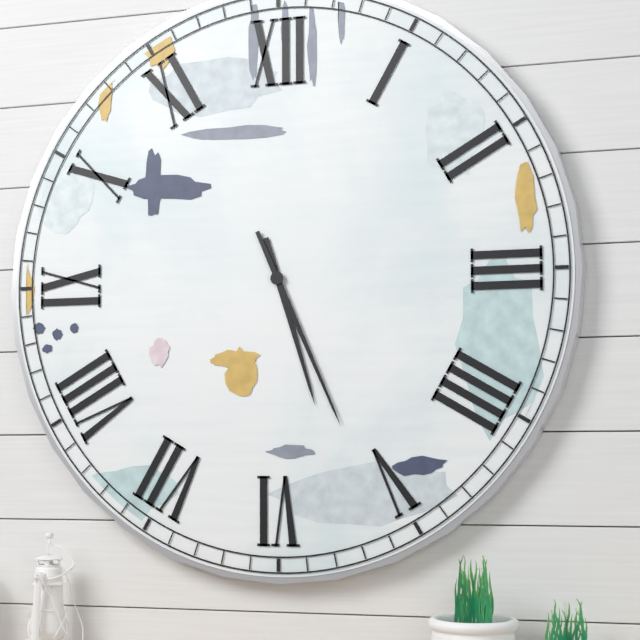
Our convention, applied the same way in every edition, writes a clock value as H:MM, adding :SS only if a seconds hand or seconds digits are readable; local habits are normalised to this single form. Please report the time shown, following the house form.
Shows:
5:26
